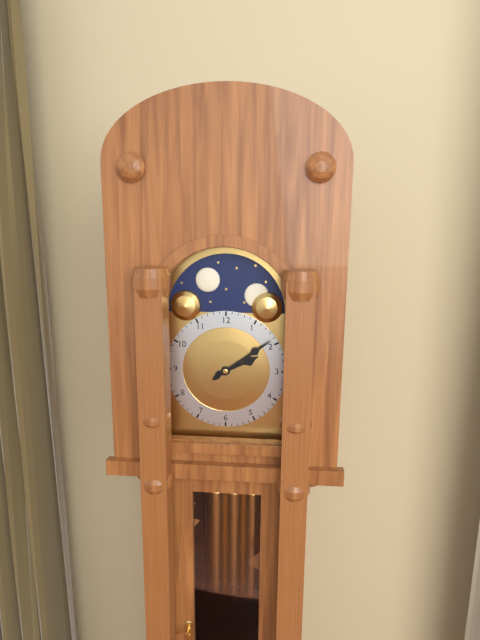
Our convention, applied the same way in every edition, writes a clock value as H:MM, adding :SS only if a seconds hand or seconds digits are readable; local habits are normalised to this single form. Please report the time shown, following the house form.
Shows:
2:09
